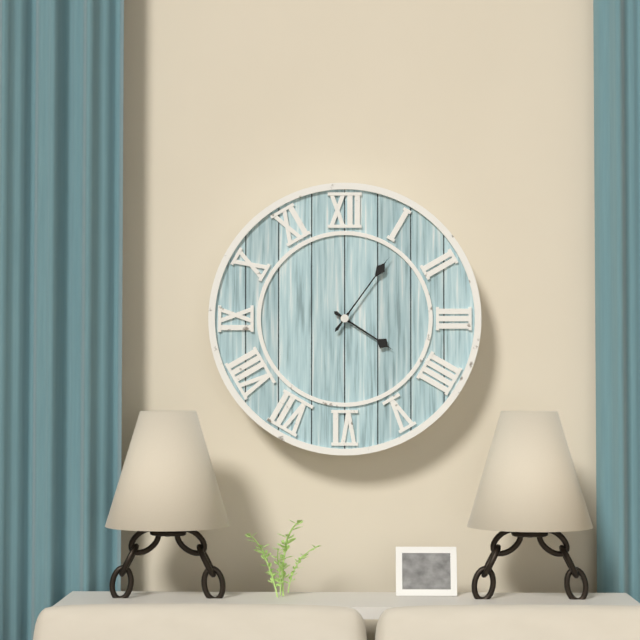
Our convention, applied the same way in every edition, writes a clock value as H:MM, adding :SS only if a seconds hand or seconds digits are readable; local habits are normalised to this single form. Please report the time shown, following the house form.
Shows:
4:06
